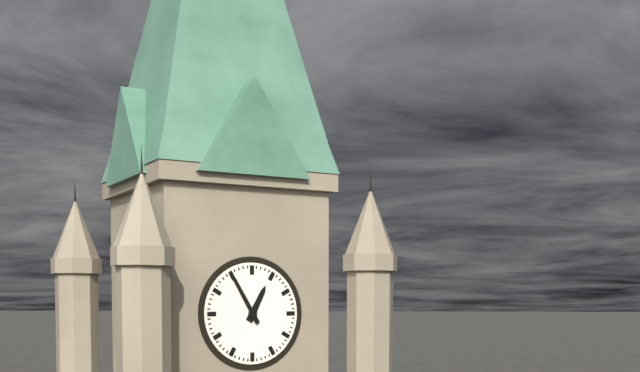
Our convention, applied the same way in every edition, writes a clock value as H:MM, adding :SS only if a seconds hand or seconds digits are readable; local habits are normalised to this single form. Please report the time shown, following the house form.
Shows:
12:55
